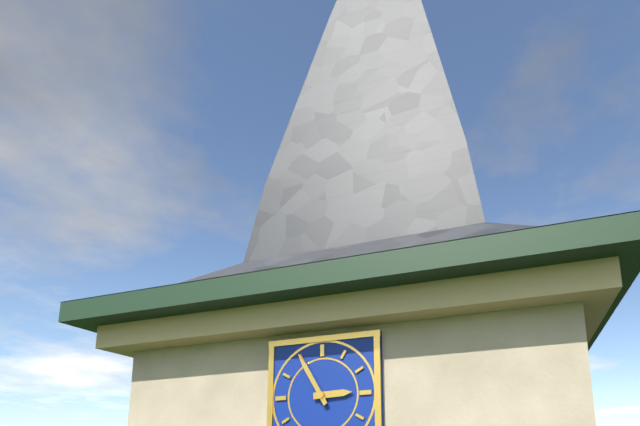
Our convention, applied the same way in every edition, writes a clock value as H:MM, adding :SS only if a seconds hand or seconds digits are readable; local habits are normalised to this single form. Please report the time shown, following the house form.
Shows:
2:55
